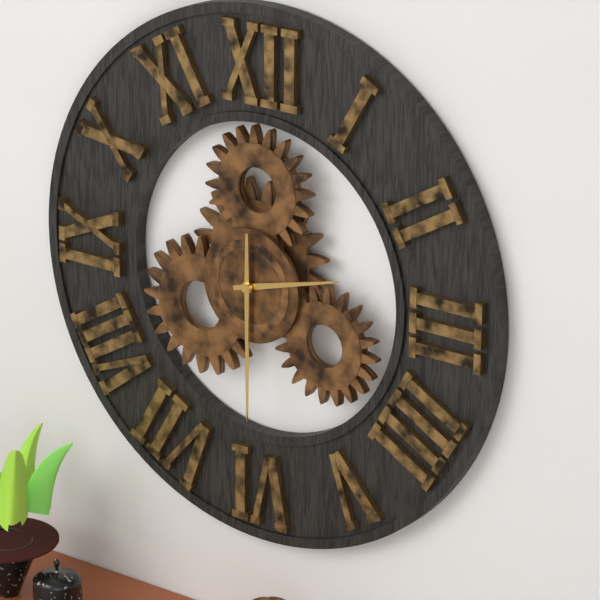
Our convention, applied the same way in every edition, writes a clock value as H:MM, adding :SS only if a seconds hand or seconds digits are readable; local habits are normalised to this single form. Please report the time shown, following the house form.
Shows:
2:30
